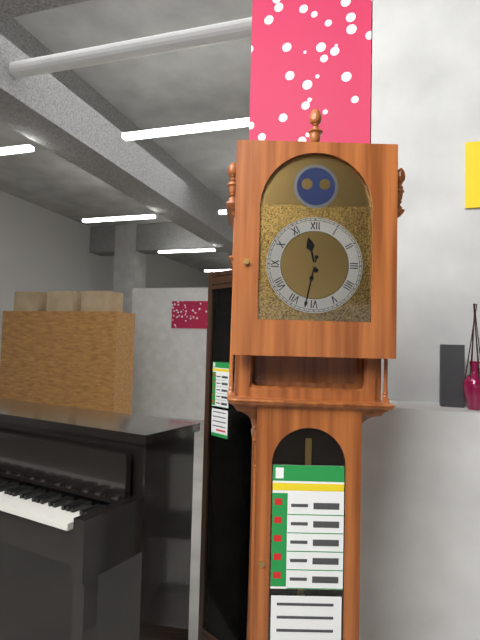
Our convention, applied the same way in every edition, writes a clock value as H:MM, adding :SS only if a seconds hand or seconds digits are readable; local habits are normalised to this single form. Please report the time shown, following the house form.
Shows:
11:32
